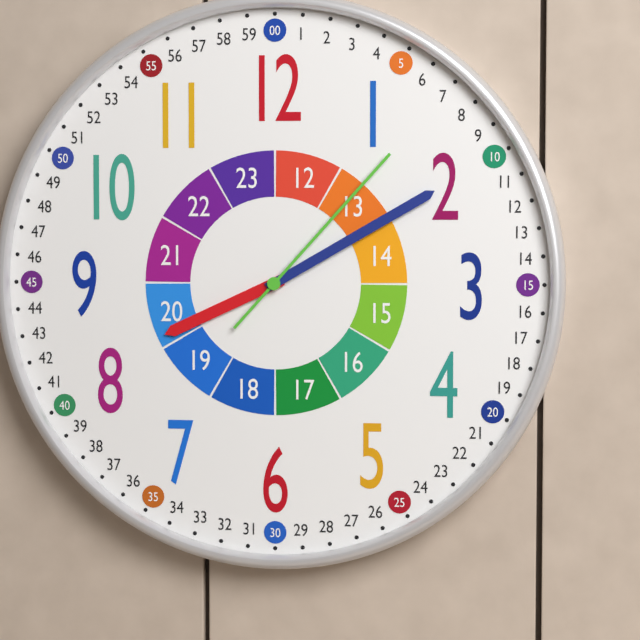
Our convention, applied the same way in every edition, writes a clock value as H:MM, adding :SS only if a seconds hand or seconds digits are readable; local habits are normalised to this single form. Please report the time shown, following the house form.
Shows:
8:10:07
